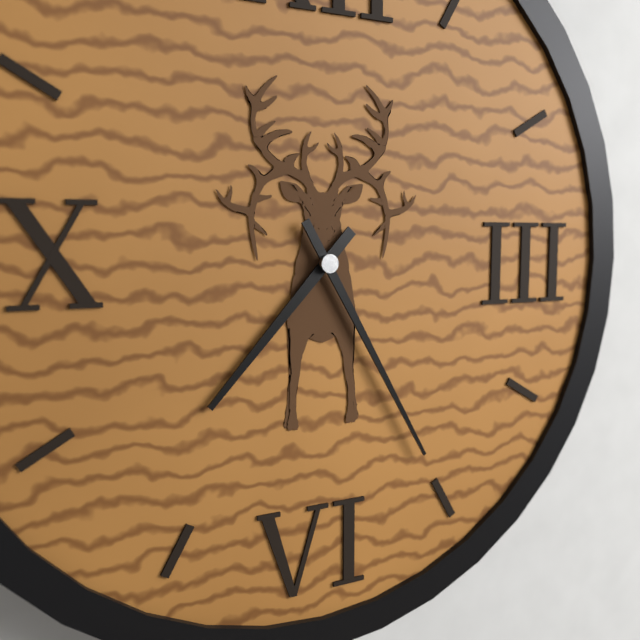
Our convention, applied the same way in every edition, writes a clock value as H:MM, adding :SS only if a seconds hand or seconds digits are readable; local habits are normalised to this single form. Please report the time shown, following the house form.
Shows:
7:25
